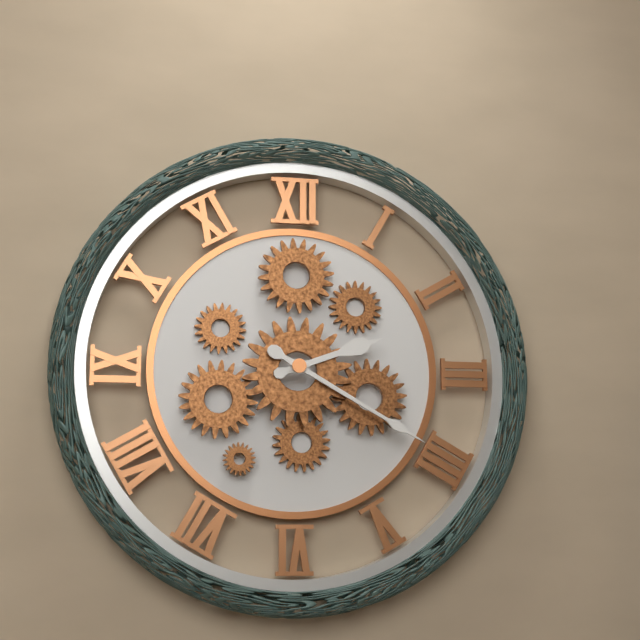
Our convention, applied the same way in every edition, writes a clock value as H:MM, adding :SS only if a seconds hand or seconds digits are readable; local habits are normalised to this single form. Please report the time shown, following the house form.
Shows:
2:20
